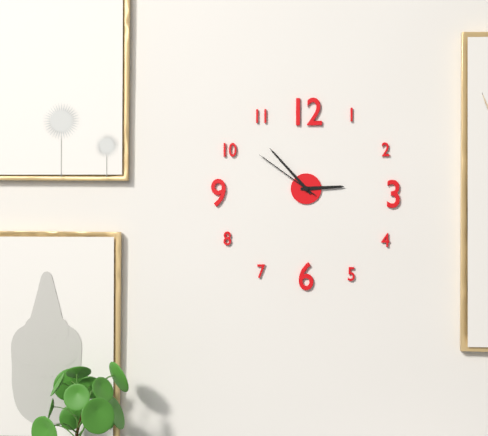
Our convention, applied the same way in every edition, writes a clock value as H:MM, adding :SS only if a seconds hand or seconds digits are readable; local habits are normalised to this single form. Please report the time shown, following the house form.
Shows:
2:53:51
